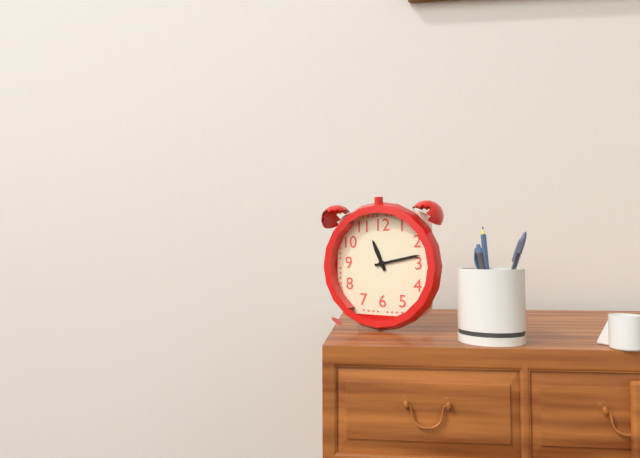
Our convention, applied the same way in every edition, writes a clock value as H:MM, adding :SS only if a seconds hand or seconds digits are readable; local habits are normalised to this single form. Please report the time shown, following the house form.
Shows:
11:13
